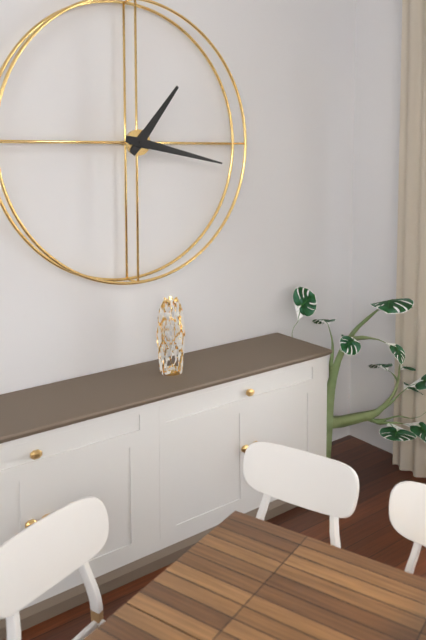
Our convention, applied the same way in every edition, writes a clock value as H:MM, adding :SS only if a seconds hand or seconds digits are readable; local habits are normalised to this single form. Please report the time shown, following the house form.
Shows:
1:17
